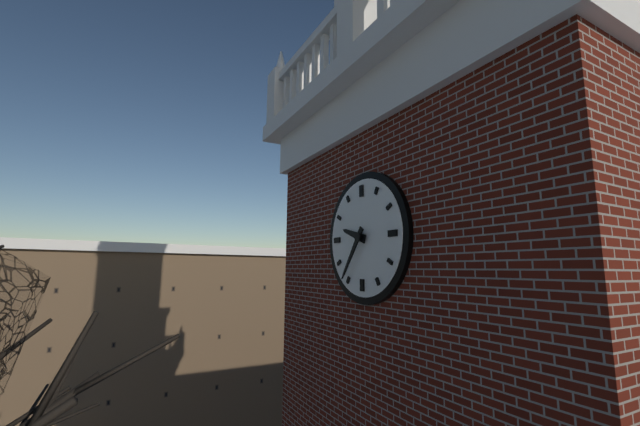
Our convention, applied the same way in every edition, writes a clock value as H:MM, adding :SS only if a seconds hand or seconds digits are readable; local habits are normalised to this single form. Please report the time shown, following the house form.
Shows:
9:36
